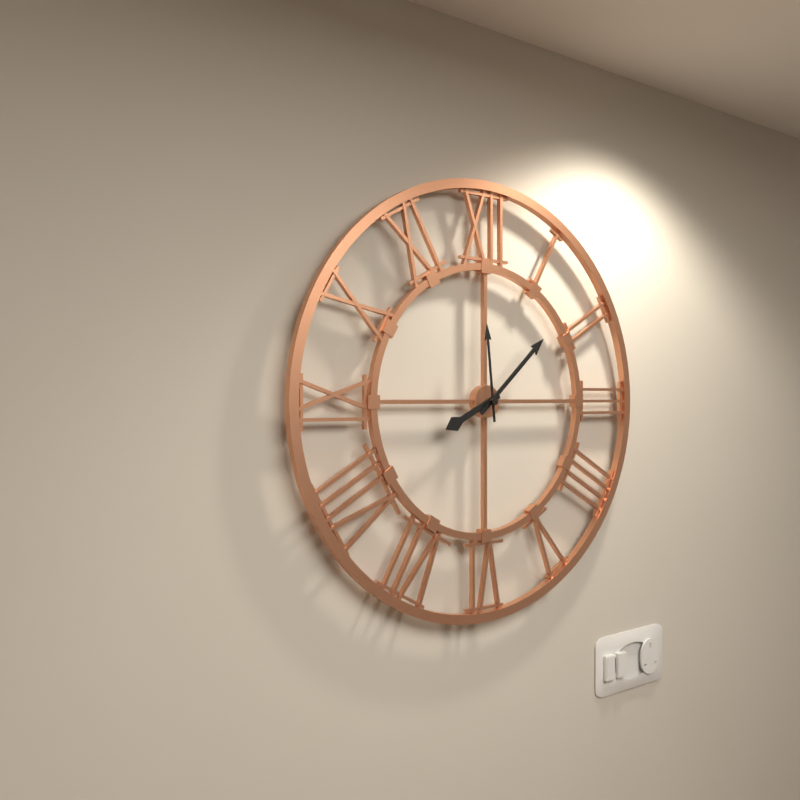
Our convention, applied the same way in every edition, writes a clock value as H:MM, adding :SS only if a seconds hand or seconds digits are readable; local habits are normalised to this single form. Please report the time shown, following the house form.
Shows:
8:08:59
